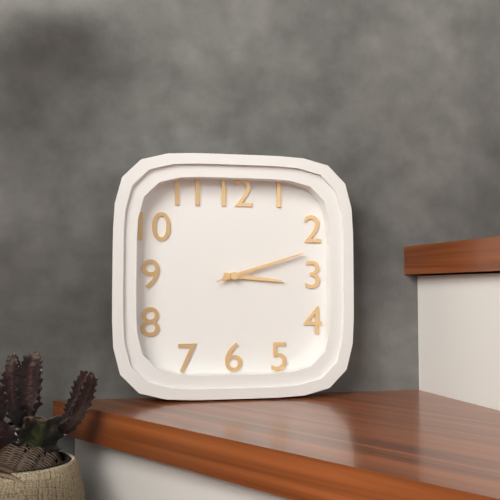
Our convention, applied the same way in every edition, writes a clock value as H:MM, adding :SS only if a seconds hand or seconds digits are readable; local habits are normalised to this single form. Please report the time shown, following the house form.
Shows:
3:12:12
